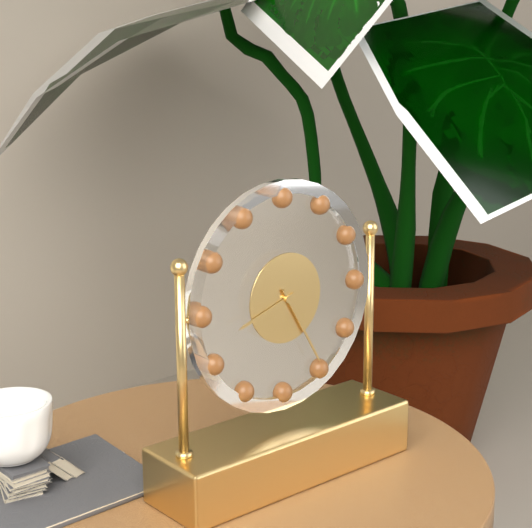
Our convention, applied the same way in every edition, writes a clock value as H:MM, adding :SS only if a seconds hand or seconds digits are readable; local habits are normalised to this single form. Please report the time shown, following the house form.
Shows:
8:25
